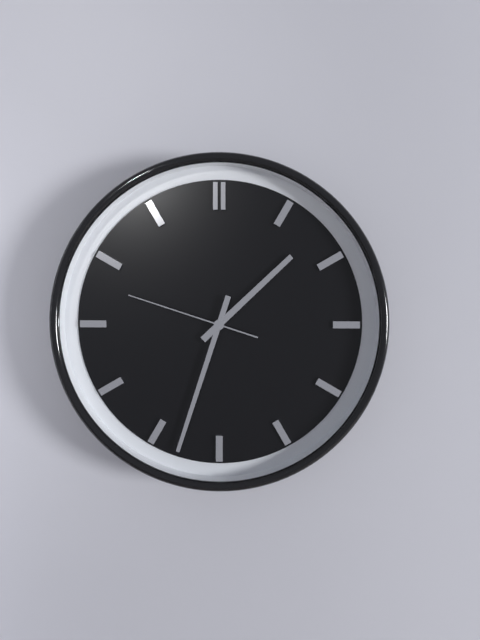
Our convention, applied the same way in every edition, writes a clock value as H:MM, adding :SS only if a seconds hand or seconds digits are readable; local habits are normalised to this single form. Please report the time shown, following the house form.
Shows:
1:33:48
